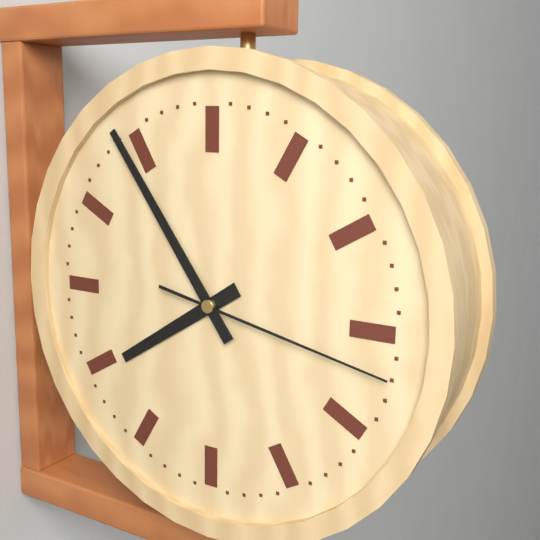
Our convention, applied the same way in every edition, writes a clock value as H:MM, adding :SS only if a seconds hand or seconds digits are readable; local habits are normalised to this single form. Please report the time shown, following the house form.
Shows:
7:54:17
